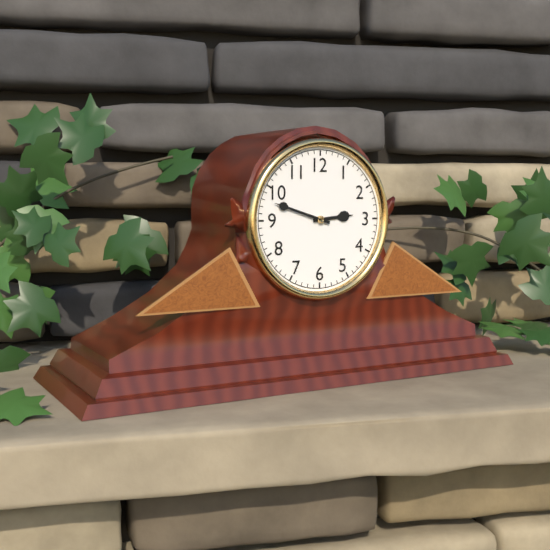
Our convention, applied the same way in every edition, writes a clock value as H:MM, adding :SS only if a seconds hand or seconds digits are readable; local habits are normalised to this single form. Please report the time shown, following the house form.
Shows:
2:48
